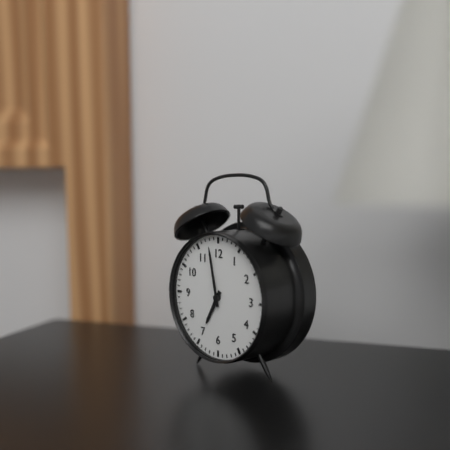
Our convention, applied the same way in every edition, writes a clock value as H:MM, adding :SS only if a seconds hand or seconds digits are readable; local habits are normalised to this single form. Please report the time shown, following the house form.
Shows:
6:58
